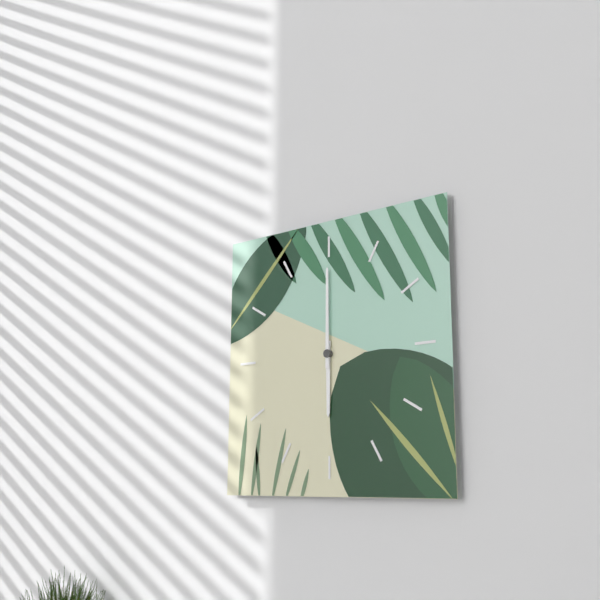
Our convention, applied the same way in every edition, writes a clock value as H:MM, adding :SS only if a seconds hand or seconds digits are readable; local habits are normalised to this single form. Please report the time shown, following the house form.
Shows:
6:00
